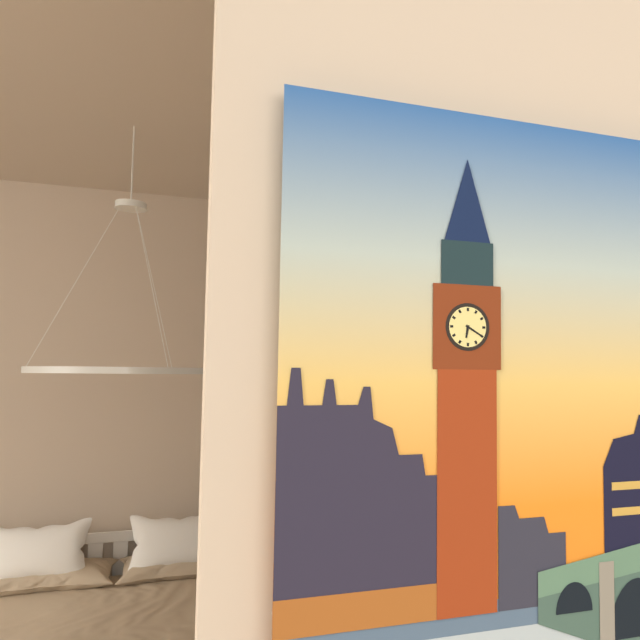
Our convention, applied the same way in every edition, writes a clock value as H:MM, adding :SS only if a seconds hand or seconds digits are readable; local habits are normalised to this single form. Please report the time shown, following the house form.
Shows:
6:20
